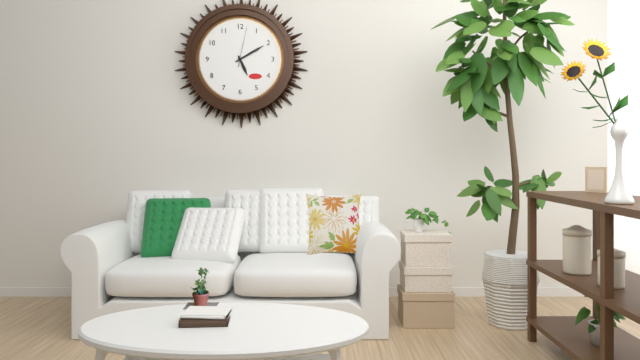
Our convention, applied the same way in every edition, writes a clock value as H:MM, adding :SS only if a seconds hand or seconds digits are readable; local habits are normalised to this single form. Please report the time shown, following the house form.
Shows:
5:10
